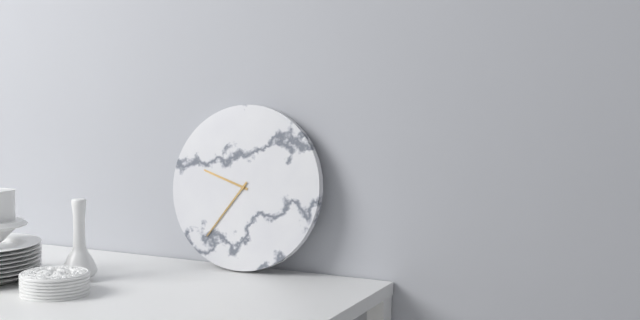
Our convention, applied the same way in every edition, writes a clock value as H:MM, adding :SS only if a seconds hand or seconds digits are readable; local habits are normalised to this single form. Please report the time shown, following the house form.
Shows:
9:36
